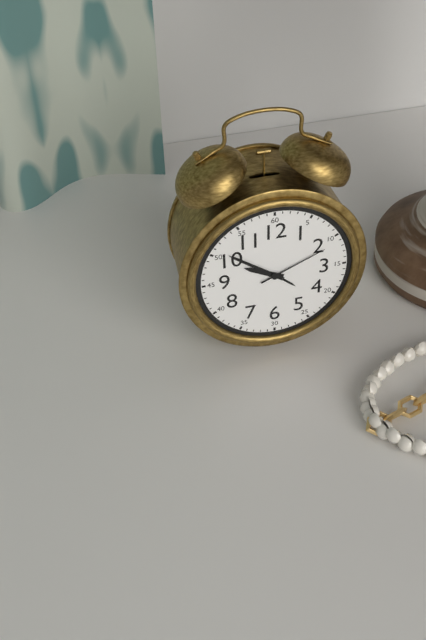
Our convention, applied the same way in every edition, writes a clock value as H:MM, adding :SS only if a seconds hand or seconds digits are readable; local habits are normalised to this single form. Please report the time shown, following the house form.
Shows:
9:51:11
